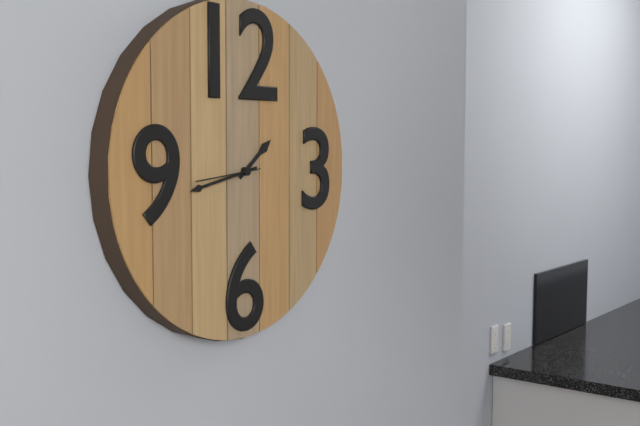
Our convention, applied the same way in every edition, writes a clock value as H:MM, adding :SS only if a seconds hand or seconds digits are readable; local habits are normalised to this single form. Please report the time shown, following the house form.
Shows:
1:43:44
